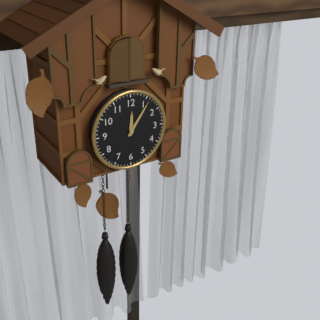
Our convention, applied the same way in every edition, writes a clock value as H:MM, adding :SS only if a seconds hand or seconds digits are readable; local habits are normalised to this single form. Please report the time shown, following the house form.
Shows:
12:06
